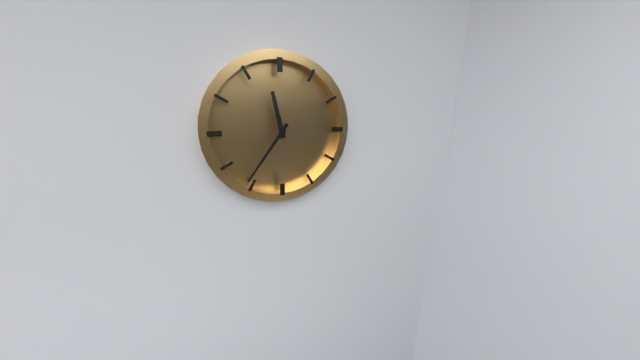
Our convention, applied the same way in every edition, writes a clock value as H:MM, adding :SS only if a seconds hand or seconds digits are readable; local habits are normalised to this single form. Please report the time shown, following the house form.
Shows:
11:36
